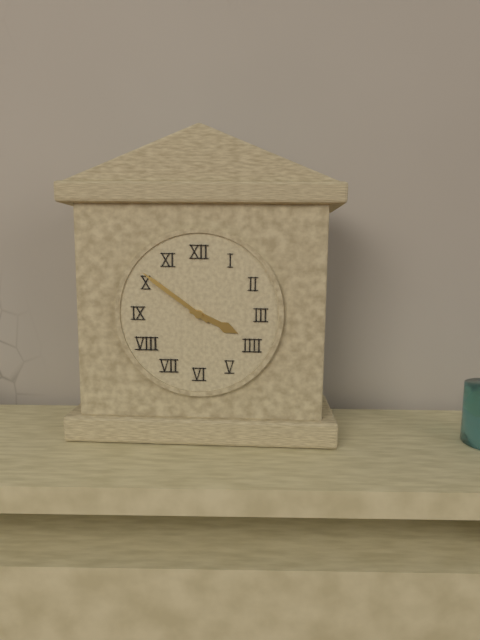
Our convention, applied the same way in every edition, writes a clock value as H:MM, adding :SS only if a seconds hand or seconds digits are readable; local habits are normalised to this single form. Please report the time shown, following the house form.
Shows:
3:51
